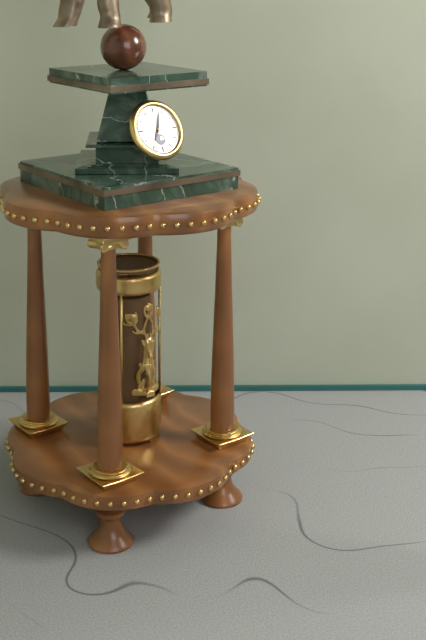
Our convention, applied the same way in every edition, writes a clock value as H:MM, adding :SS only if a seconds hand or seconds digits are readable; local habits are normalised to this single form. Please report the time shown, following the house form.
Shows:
7:03
